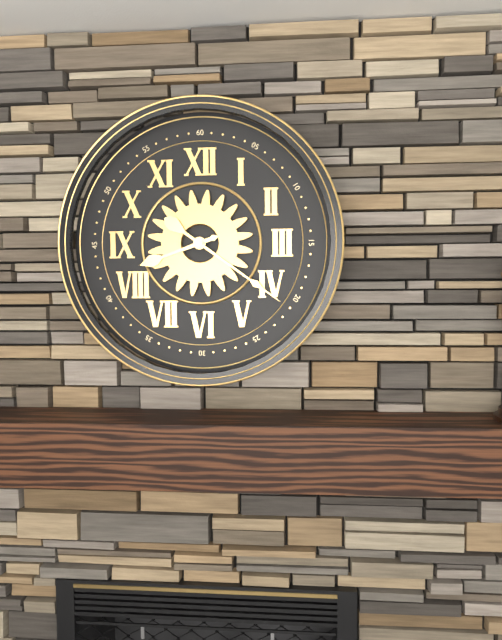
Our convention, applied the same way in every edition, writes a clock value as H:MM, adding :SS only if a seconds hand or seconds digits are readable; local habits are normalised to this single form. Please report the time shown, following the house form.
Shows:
8:21
